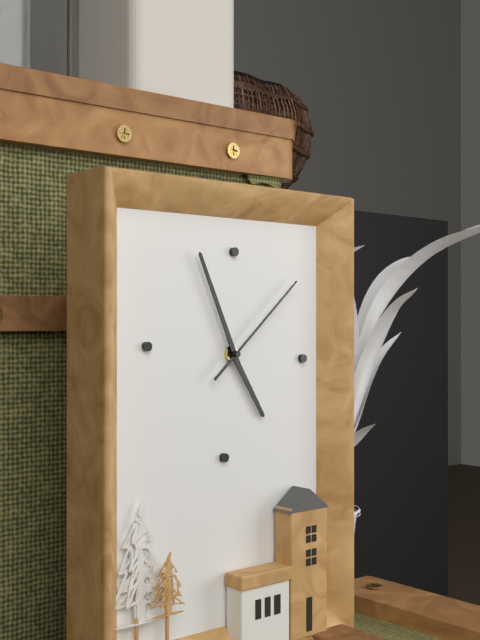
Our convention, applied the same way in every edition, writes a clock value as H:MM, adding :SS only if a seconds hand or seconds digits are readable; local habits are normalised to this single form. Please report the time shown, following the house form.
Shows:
4:56:08
